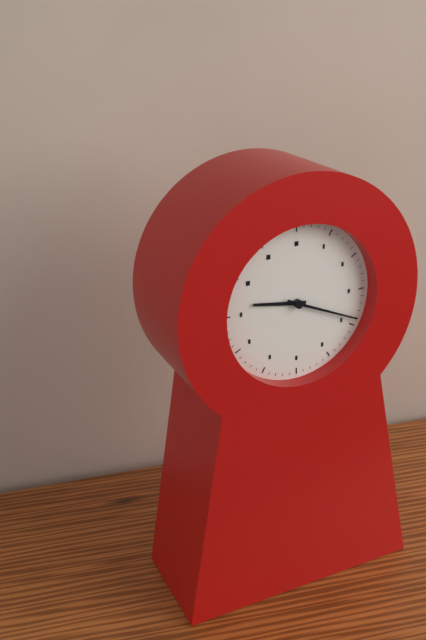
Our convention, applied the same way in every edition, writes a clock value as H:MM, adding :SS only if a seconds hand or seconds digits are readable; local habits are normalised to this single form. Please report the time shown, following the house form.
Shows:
9:19
